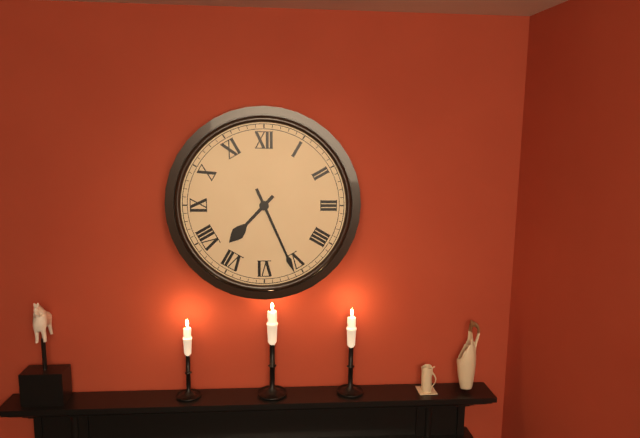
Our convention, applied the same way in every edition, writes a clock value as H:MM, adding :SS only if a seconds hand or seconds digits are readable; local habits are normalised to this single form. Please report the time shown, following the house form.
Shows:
7:26
